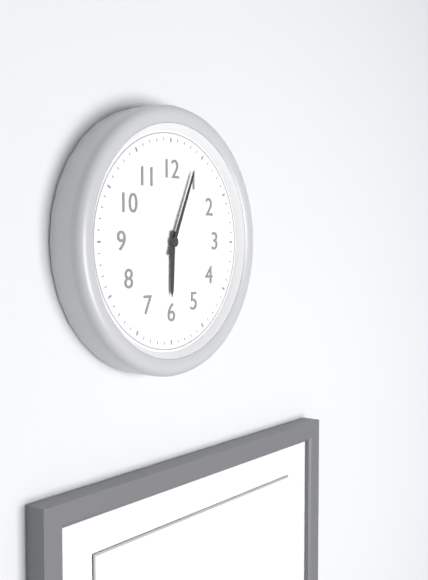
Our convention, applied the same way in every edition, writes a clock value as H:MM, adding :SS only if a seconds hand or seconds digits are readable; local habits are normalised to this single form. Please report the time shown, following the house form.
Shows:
6:04
